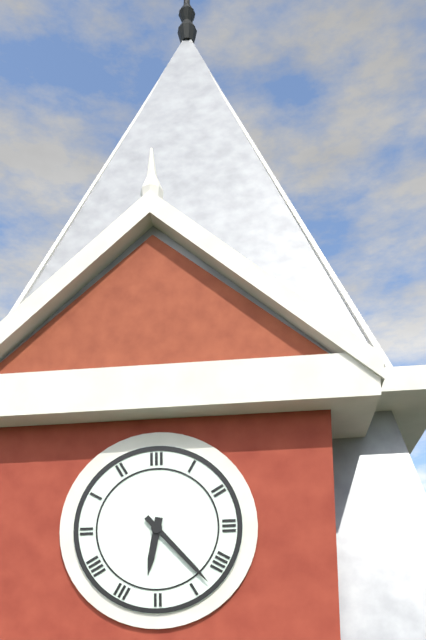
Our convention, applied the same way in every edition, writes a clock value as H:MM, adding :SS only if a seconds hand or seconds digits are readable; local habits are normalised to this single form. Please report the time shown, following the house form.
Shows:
6:23
